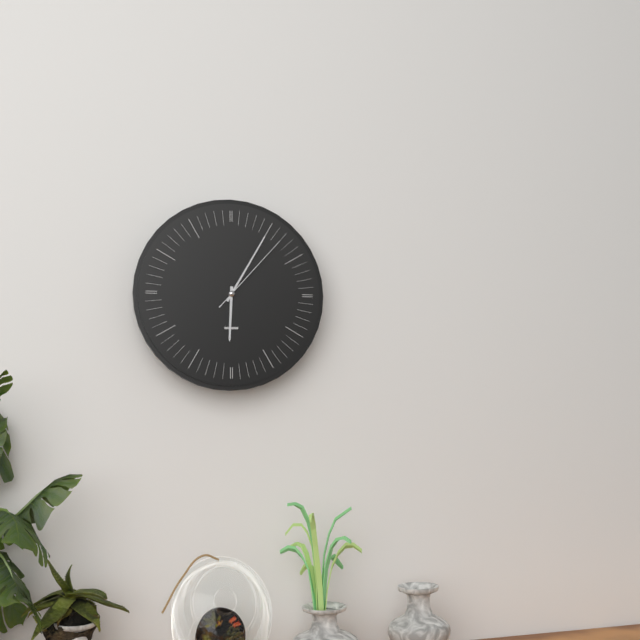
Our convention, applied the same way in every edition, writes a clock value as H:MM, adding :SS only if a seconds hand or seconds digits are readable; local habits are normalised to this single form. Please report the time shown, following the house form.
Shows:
6:05:07
